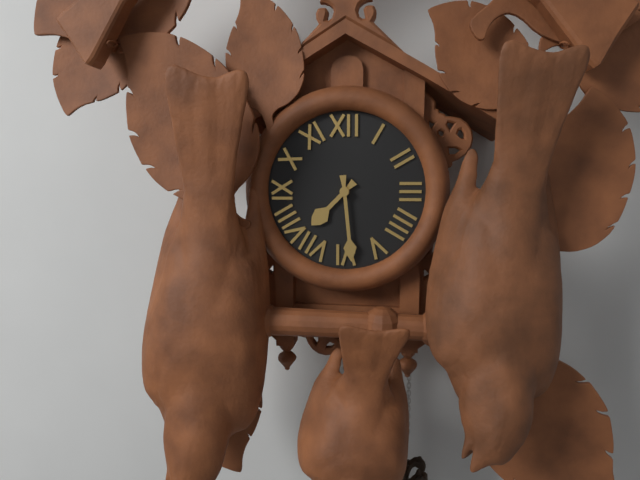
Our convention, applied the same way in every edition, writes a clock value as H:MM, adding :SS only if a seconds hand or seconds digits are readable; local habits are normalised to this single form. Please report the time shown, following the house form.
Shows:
7:29
